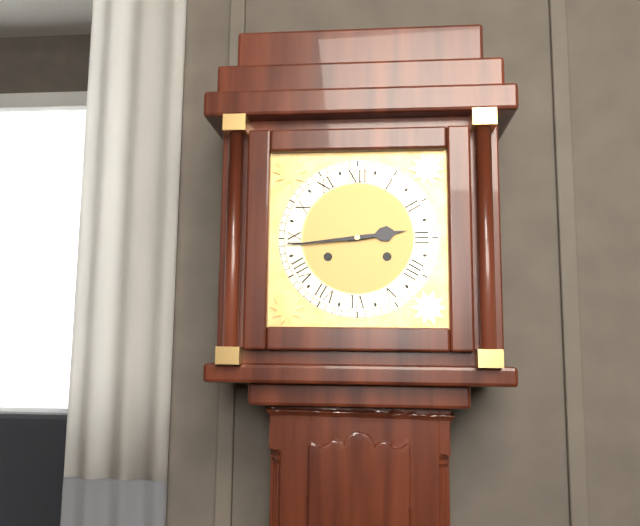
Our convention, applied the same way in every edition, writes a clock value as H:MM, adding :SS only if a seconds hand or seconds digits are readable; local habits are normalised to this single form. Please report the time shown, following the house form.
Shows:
2:44
